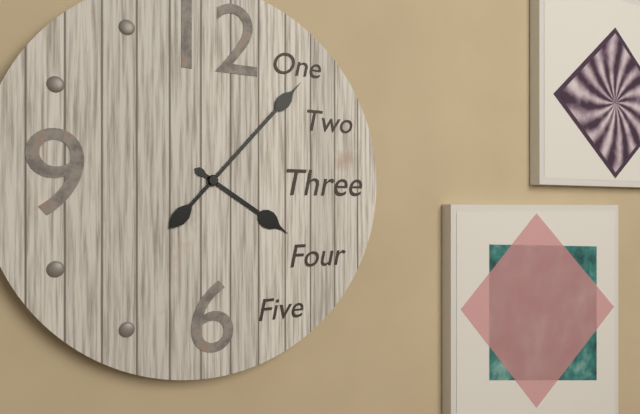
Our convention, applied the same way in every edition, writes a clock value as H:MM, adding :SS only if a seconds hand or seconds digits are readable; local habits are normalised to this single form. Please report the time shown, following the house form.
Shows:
4:07
